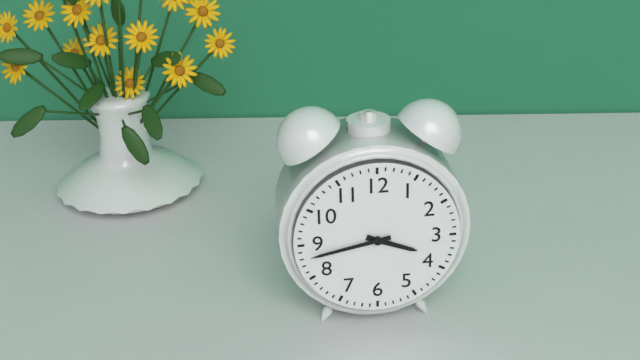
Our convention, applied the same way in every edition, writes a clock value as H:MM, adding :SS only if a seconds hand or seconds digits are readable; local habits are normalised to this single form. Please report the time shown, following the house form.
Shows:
3:43
